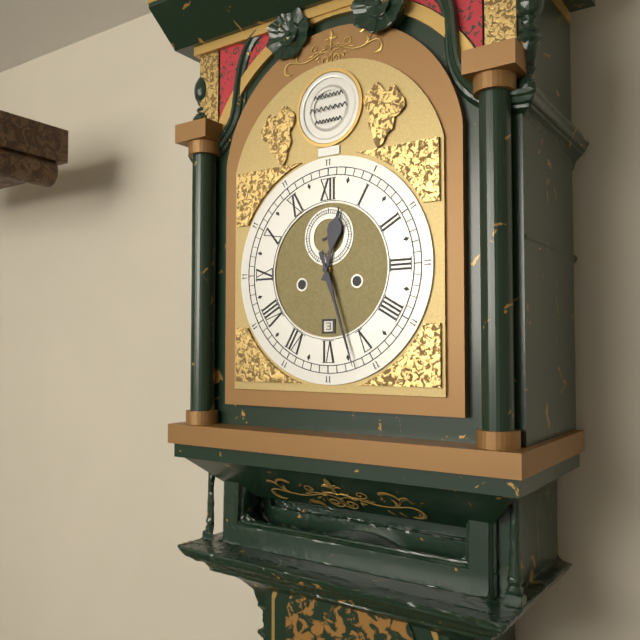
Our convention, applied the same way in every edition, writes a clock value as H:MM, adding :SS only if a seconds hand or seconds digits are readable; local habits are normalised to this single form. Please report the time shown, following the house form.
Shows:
12:27
